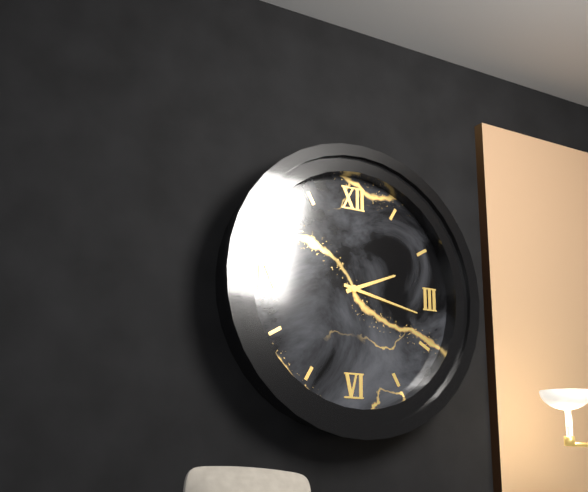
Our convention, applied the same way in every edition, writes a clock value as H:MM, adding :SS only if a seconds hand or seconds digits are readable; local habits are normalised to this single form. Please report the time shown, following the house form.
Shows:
2:17
